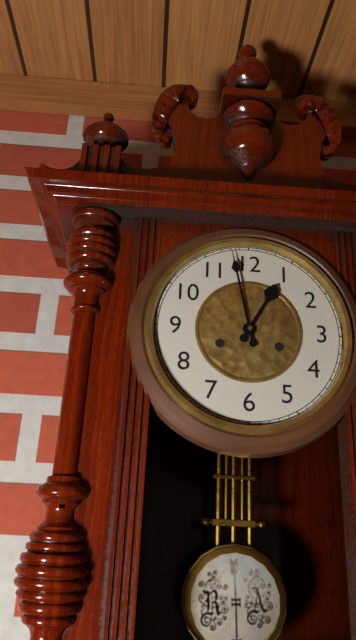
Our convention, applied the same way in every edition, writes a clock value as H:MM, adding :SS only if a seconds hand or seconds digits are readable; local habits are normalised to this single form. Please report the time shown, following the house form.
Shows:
12:58
